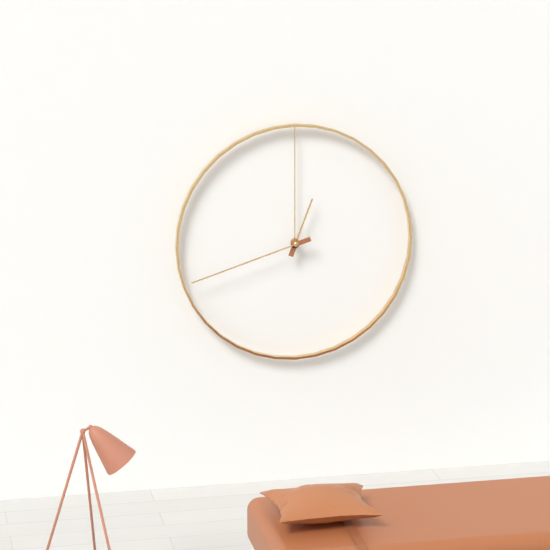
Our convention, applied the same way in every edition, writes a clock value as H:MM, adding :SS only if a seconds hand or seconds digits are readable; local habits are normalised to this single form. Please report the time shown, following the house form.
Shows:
12:42
